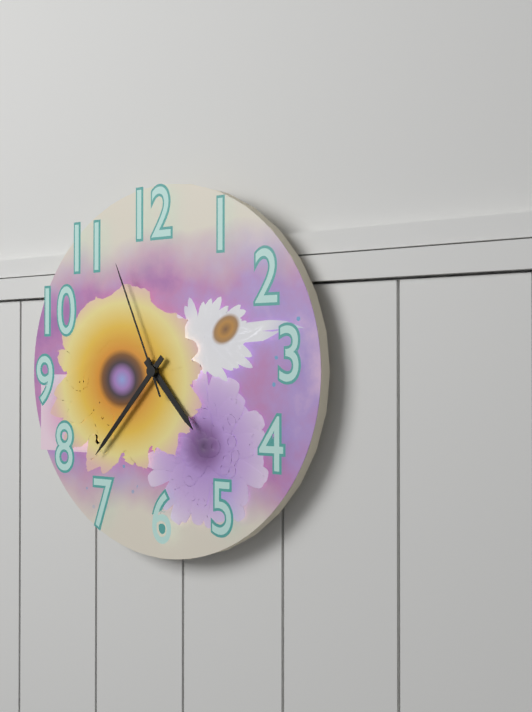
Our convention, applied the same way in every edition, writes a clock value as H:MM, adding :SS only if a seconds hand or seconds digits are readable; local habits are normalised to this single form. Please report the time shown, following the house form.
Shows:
4:37:56
